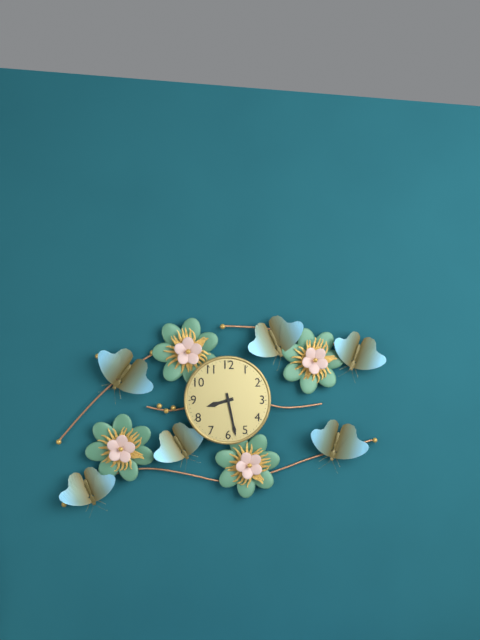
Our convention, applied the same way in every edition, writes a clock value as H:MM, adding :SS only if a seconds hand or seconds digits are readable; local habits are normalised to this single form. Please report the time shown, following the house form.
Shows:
8:28
